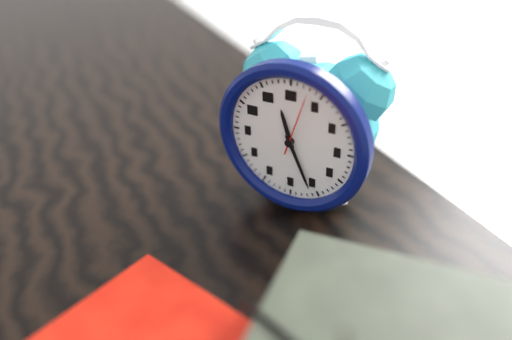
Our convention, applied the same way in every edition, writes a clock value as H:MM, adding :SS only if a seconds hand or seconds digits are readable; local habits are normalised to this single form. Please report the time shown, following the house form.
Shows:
11:26:03
